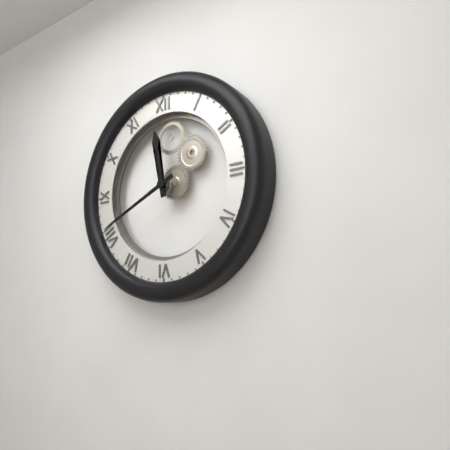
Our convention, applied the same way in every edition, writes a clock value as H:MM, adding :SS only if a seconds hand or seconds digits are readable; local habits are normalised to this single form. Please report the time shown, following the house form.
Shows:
11:41
